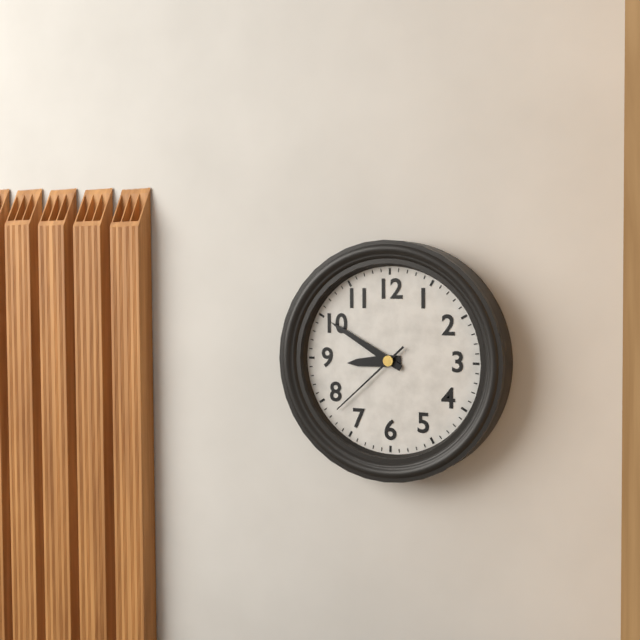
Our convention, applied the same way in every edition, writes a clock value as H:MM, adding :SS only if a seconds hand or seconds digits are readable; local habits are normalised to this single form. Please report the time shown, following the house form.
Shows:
8:50:38
